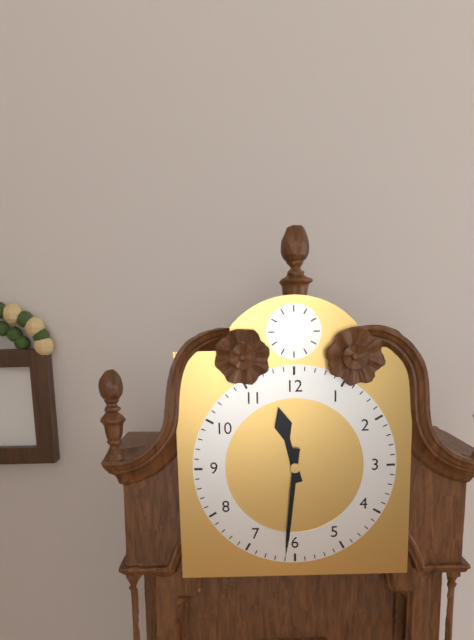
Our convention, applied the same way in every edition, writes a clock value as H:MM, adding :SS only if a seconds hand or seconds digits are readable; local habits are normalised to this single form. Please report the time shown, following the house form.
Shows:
11:31
